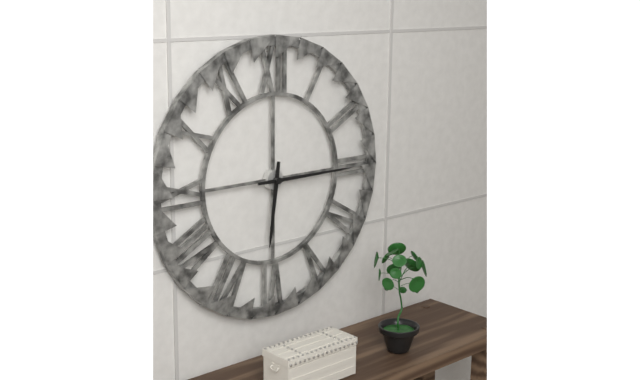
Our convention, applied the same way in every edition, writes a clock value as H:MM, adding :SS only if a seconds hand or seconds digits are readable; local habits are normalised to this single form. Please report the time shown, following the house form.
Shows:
6:15
